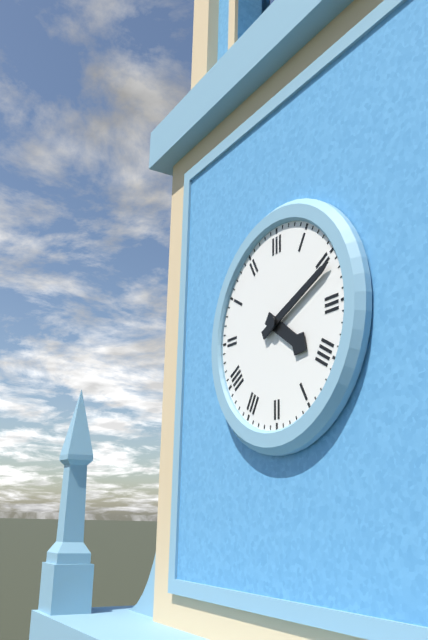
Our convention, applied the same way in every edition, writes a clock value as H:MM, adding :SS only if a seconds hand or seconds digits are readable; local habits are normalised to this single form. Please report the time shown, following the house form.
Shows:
4:11
